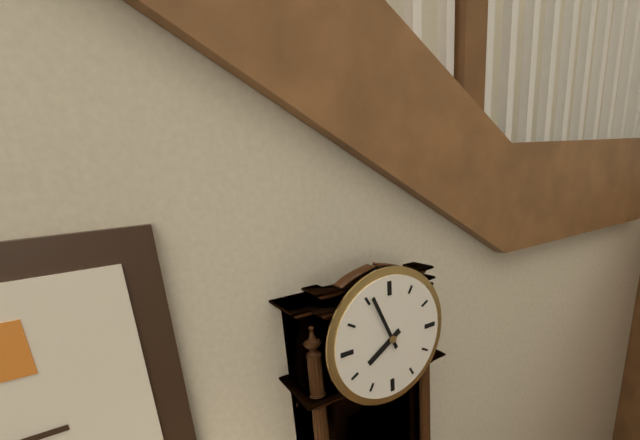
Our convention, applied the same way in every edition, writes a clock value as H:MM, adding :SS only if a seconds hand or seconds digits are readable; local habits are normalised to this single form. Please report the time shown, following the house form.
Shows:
7:56
